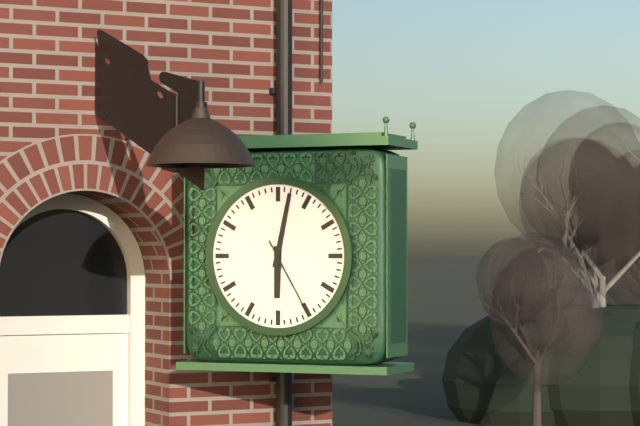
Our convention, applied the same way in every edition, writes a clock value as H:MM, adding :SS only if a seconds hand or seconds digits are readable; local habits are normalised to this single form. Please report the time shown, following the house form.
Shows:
6:02:25
